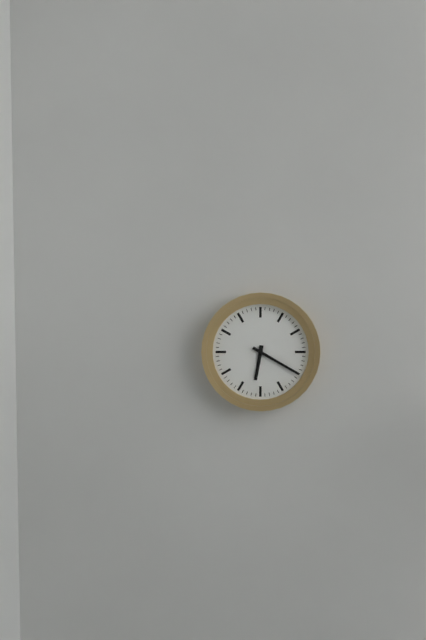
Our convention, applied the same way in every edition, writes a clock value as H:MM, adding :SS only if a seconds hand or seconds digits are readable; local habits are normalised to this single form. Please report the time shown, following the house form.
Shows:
6:20
